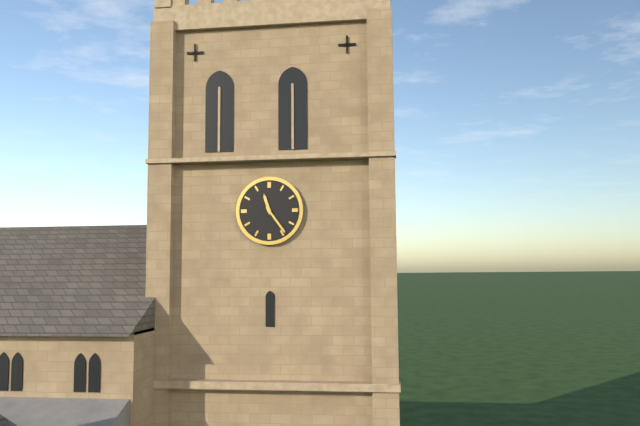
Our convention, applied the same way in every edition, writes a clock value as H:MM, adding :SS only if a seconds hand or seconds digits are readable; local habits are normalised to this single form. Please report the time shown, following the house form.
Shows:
11:24
